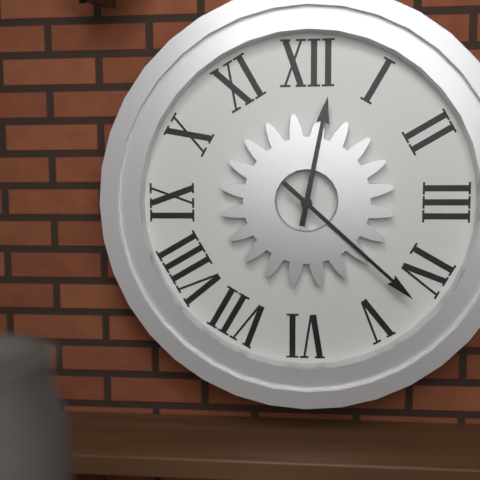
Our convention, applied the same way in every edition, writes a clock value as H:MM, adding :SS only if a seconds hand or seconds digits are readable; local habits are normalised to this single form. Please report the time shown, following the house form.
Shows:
12:22
